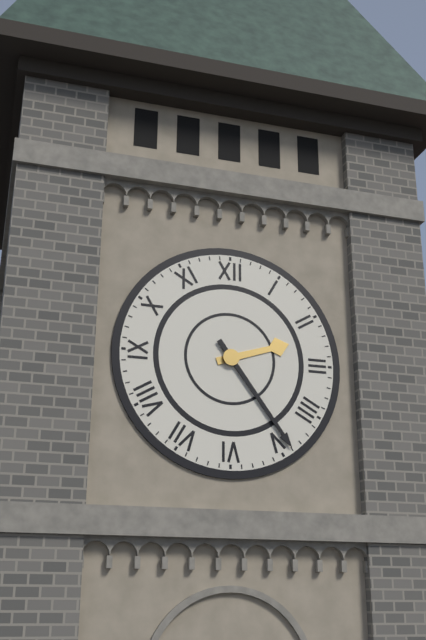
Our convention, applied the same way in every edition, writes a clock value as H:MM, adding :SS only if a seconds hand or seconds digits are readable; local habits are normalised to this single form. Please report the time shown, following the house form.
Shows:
2:24
